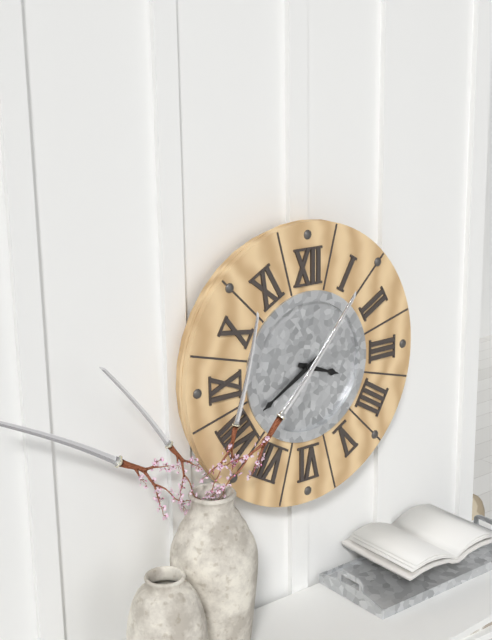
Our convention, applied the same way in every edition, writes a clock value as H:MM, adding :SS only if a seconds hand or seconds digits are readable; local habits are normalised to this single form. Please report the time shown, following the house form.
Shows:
3:40
